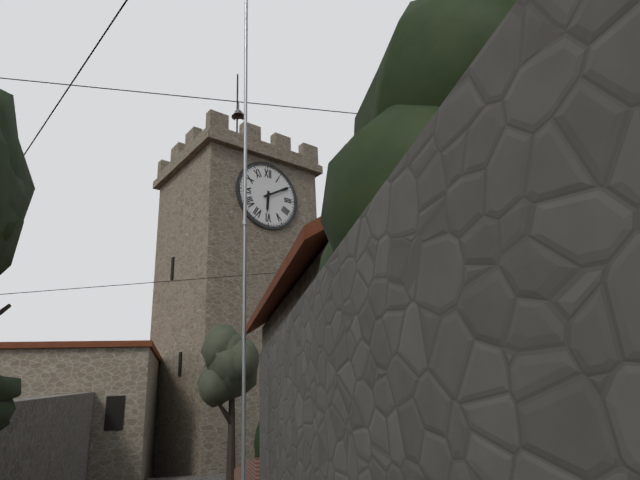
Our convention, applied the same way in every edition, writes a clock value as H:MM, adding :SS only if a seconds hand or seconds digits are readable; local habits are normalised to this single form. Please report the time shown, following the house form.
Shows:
6:10
